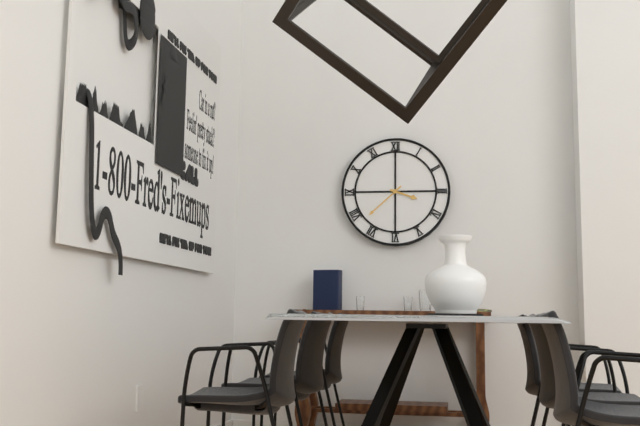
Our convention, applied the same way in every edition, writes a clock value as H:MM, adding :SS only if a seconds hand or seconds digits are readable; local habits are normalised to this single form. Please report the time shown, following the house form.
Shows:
3:38
